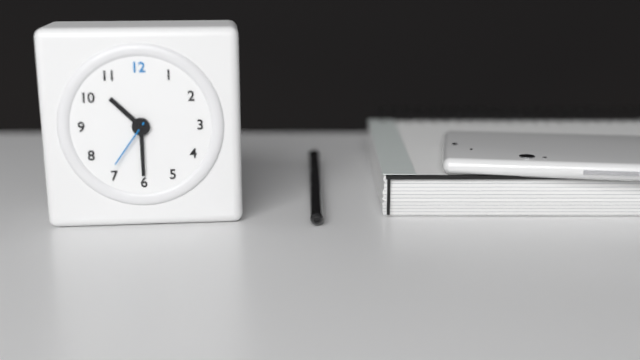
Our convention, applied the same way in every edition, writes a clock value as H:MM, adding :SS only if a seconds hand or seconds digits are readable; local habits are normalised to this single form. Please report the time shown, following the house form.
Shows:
10:30:36
